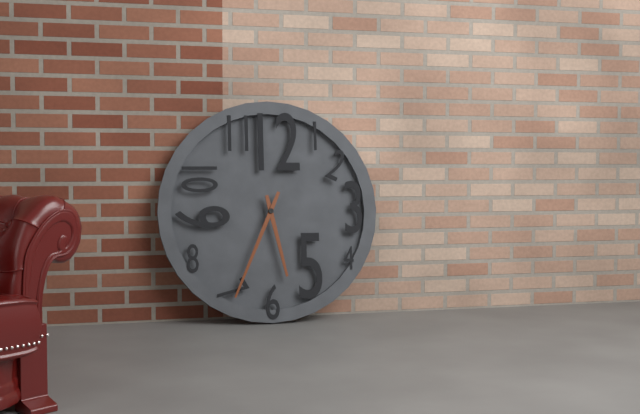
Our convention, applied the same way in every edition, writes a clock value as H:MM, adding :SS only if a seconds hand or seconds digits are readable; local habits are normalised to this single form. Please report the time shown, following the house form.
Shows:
5:34
